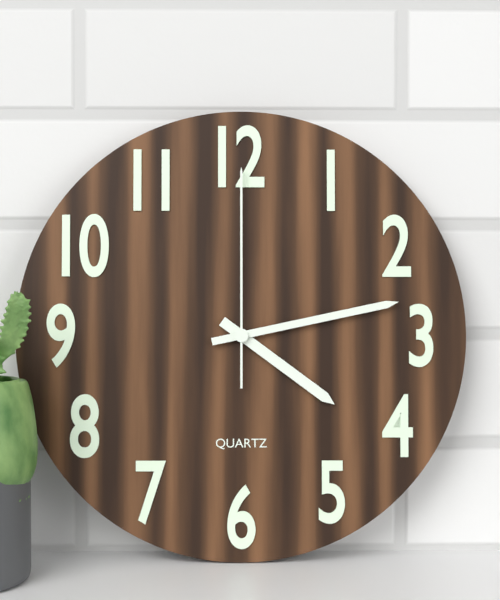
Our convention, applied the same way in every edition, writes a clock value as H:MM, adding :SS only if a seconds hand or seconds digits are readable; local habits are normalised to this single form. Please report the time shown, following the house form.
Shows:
4:13:00
